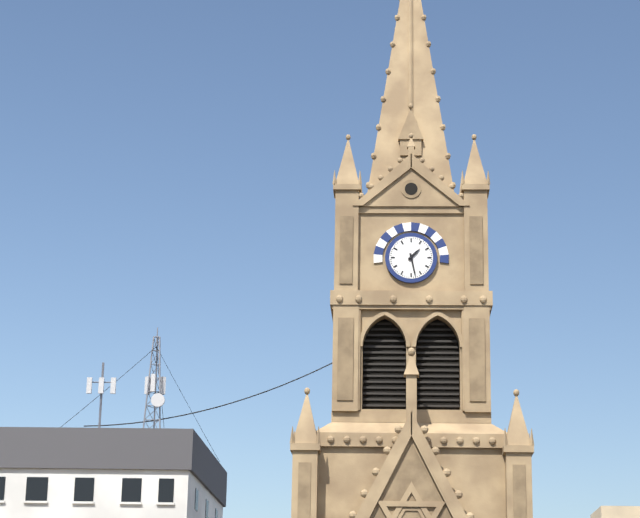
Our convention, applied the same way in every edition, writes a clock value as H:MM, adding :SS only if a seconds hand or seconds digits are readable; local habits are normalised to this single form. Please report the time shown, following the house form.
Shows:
1:28
